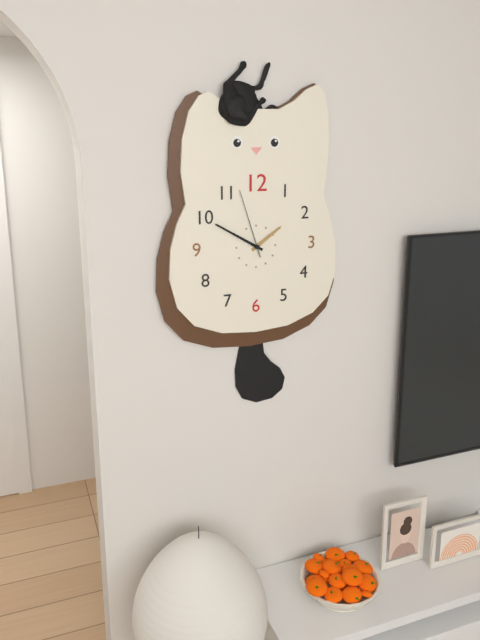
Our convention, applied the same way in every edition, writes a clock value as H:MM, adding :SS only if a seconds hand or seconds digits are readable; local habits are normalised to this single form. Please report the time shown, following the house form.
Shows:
1:50:57
